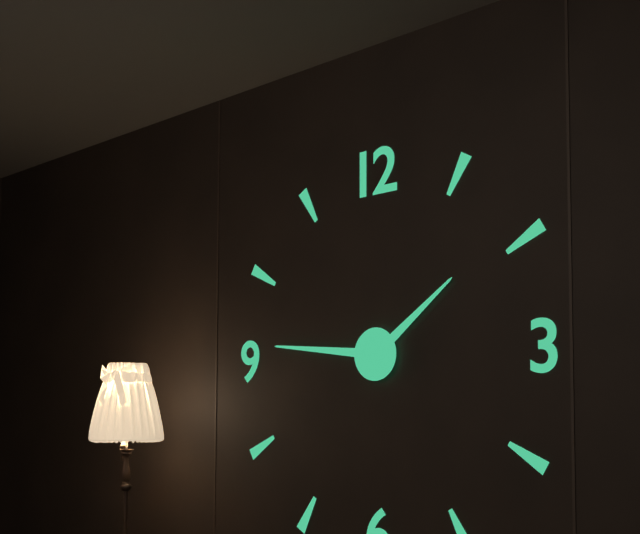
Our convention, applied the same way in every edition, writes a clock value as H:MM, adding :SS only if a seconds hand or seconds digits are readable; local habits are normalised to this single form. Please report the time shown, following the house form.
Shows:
1:46
